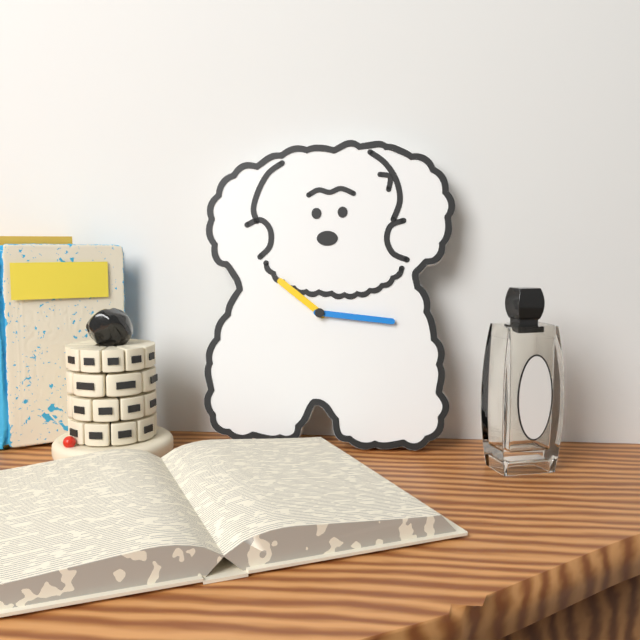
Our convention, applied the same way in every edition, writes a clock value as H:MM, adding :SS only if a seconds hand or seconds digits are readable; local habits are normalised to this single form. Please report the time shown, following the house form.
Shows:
10:16
